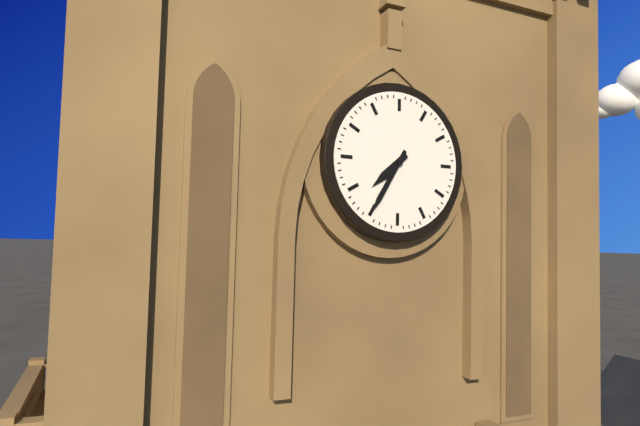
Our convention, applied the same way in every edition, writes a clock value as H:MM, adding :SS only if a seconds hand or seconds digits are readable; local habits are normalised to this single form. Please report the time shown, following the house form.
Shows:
7:35
